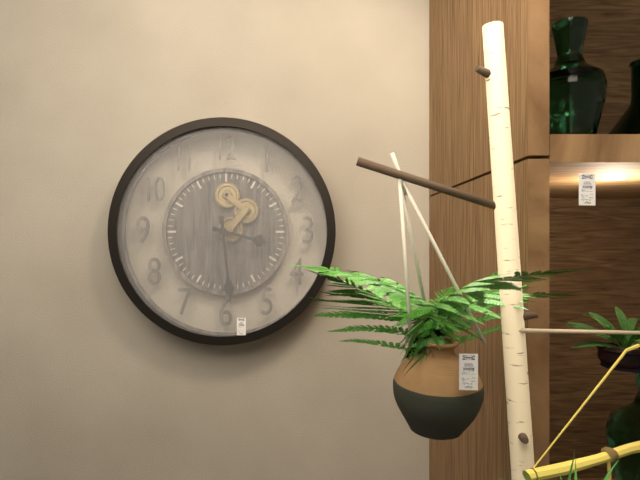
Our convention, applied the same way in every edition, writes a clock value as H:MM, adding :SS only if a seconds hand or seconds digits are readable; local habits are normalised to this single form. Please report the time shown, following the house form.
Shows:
3:29
